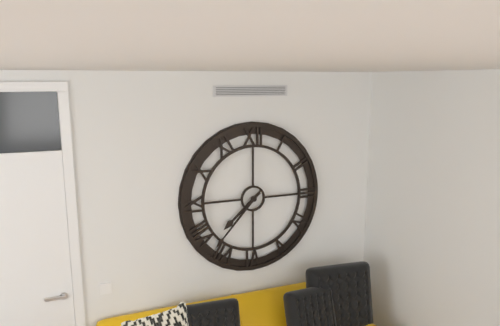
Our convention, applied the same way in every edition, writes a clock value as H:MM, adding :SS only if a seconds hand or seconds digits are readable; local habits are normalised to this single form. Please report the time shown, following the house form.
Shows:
7:37
